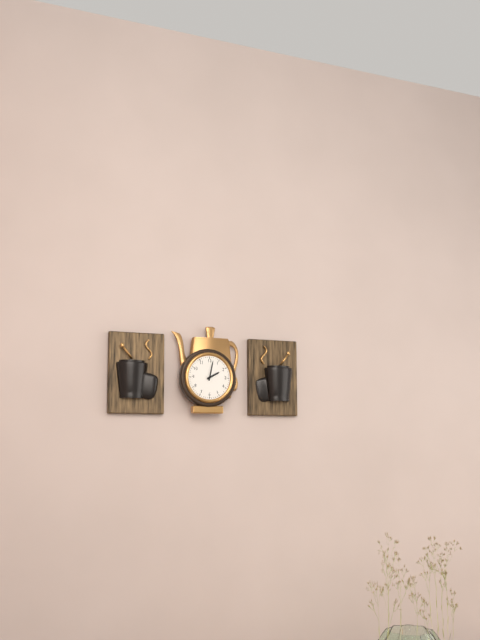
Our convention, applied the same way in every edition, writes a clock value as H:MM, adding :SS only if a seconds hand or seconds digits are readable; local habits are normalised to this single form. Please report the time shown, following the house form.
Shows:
2:02
